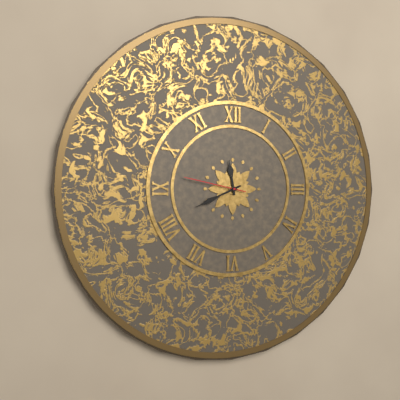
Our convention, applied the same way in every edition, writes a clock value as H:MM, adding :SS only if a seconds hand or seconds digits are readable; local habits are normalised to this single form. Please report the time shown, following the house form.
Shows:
11:41:47
